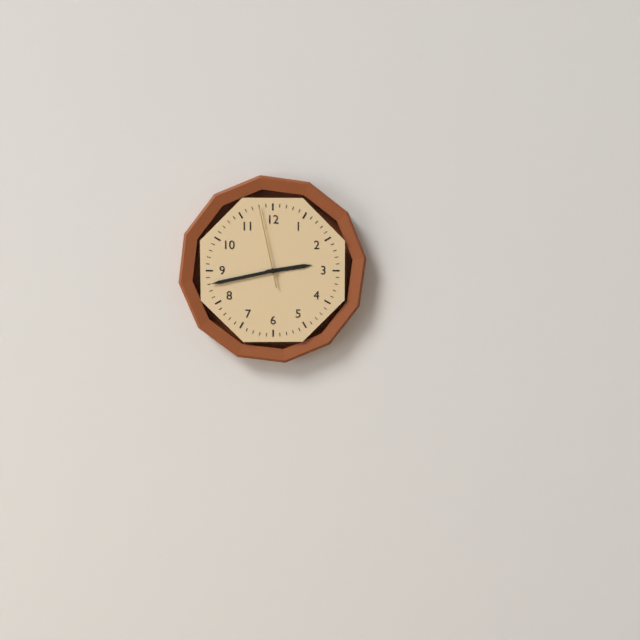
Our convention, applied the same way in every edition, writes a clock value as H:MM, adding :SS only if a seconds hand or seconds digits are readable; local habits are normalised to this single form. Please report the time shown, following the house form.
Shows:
2:43:58
